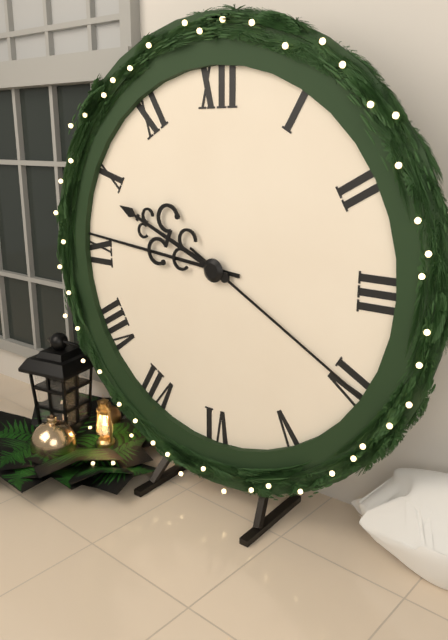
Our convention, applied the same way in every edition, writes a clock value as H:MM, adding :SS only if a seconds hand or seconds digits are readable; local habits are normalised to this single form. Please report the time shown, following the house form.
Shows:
9:46:20
